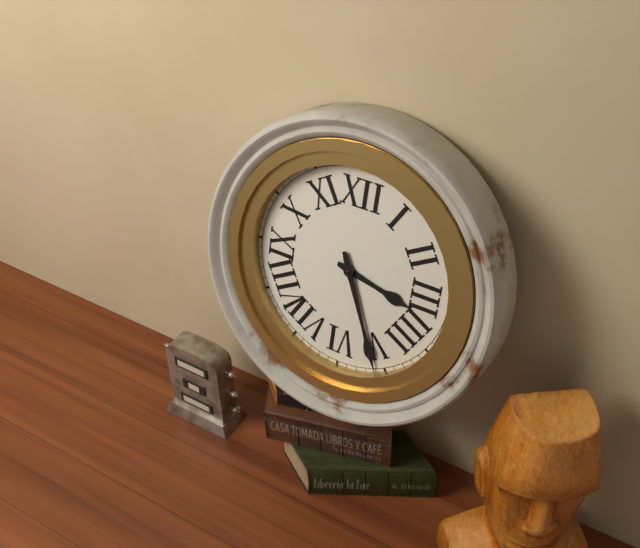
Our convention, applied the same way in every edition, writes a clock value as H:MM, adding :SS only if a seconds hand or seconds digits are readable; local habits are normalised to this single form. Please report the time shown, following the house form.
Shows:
3:26
